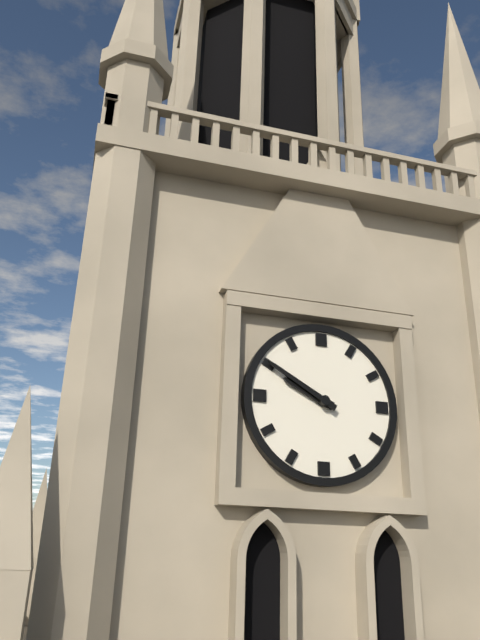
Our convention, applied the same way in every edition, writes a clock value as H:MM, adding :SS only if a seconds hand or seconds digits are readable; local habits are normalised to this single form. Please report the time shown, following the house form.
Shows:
9:50
